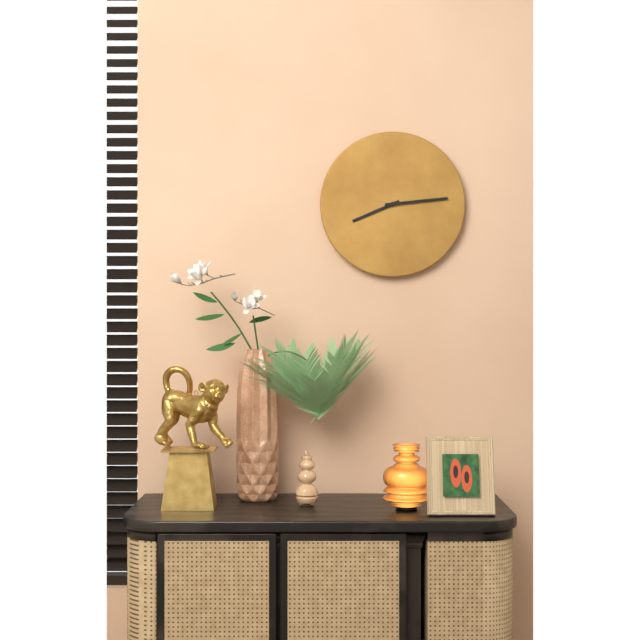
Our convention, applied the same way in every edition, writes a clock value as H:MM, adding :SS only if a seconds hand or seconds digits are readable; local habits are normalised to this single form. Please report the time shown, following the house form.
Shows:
8:14
